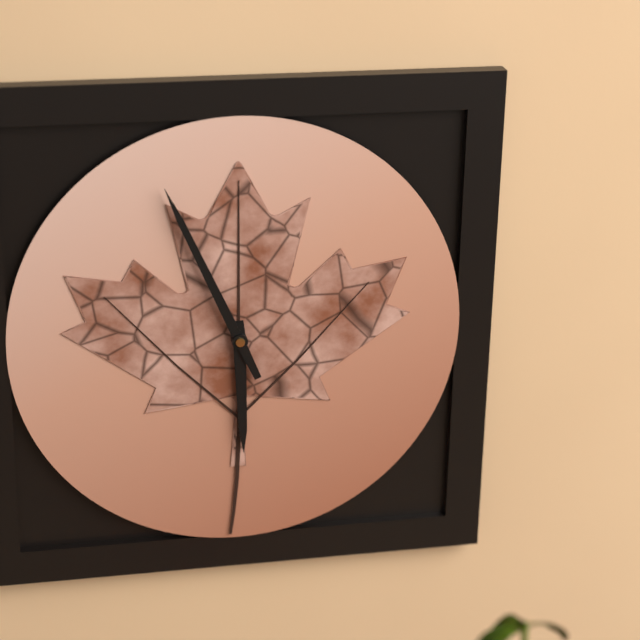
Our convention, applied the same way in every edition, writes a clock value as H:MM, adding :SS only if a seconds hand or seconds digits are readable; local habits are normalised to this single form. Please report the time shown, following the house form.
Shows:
5:56
